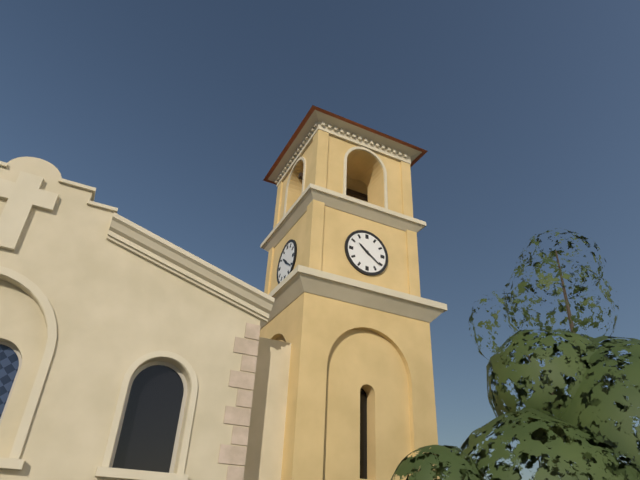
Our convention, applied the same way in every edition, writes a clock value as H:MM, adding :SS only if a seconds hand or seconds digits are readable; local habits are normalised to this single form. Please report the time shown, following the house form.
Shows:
10:21
